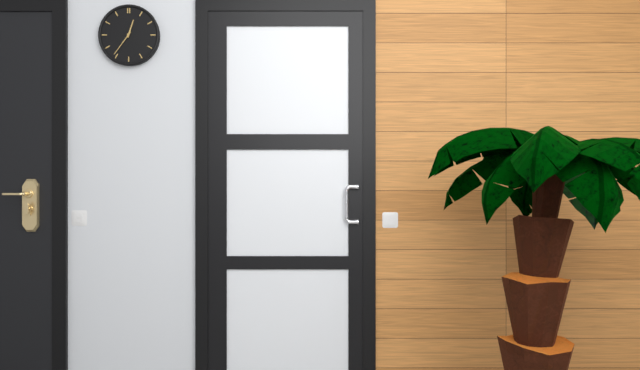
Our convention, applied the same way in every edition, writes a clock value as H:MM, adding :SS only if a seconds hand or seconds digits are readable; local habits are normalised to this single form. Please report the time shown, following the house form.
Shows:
12:36
